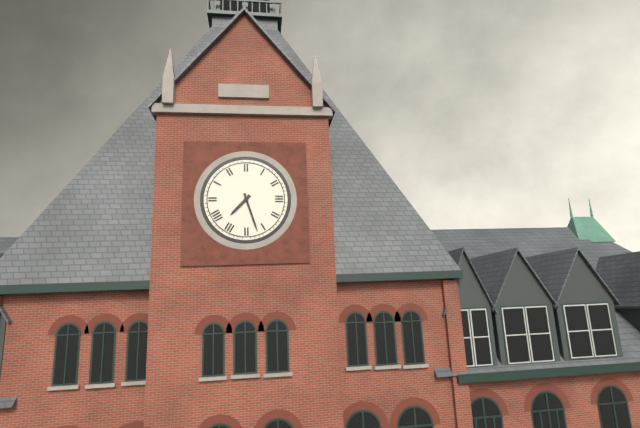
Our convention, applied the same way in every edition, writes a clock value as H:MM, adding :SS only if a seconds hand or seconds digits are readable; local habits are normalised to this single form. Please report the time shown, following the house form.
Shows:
7:27
